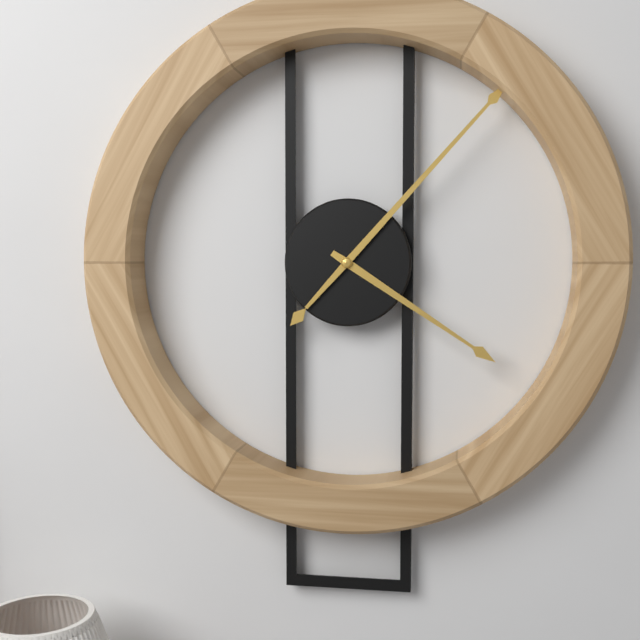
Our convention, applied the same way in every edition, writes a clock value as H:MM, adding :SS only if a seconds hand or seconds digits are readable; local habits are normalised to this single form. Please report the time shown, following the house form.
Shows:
4:07
